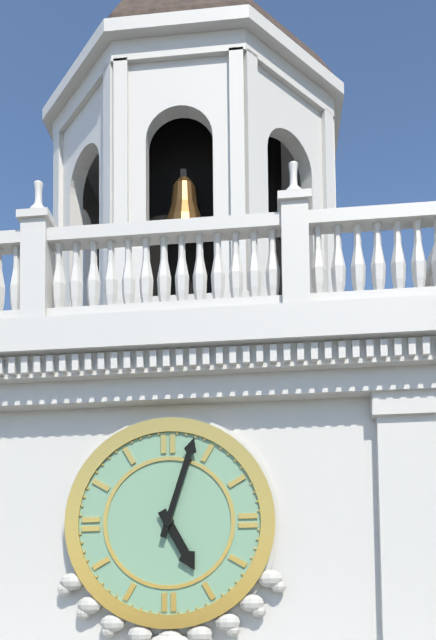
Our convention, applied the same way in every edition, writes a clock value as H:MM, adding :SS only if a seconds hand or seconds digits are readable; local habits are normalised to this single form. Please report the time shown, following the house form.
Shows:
5:03
